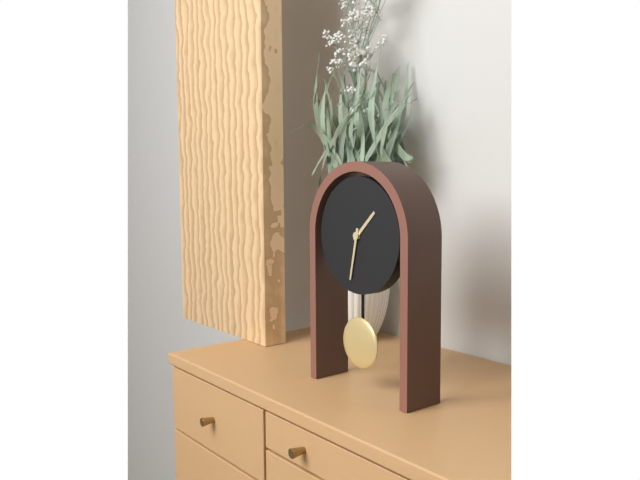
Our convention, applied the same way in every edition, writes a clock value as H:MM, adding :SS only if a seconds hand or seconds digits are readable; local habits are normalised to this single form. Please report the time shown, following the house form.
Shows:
1:32
